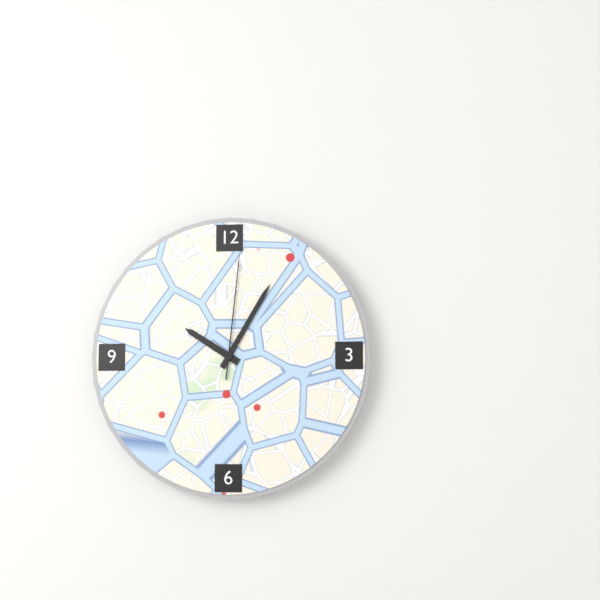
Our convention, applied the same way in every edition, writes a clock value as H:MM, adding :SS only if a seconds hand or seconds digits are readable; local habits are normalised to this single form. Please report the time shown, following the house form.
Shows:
10:05:01
